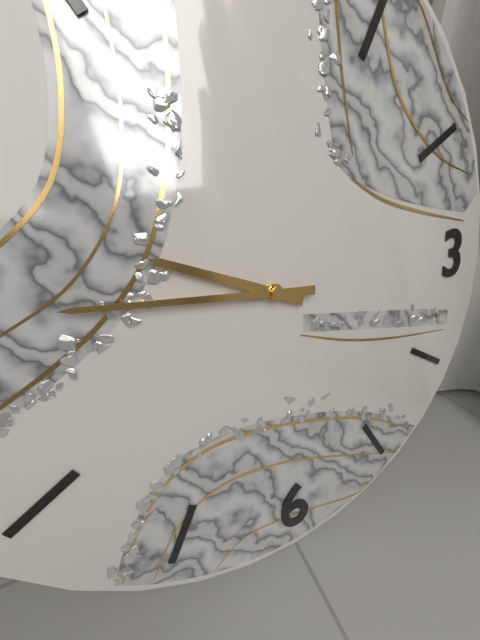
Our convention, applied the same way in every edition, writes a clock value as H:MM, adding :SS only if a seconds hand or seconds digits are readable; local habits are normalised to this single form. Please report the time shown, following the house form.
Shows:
9:46
